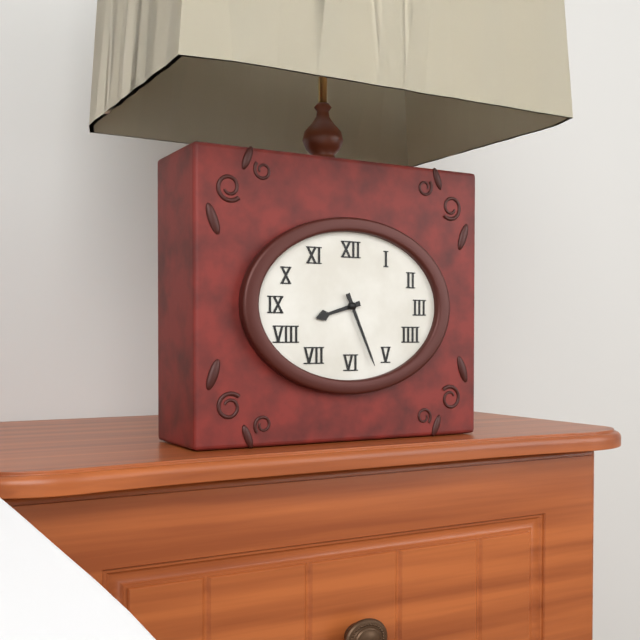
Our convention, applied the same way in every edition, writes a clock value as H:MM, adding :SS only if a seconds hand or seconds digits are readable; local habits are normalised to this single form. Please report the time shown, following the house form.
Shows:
8:26
